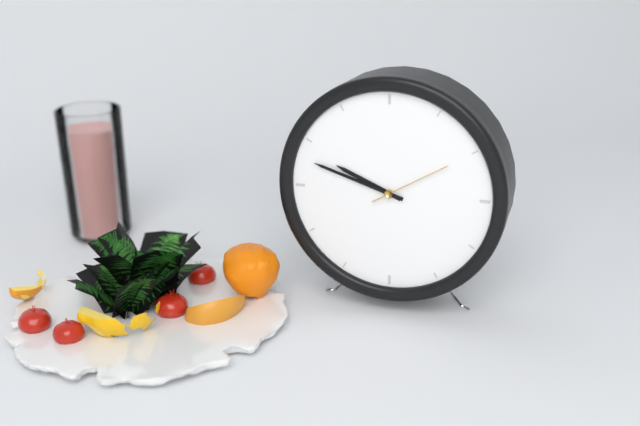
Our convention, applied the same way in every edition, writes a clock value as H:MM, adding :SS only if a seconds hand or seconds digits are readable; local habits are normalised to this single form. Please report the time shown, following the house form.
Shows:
9:48:10
